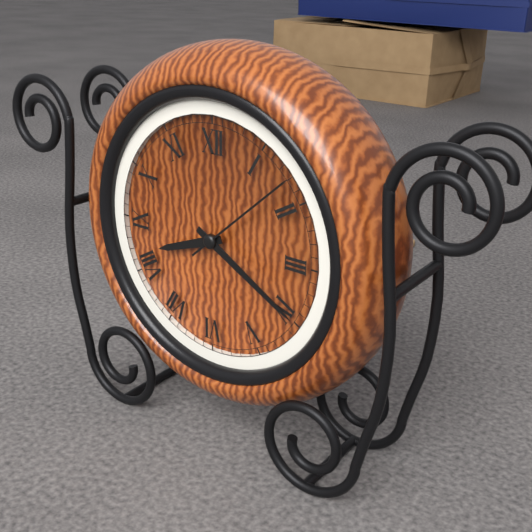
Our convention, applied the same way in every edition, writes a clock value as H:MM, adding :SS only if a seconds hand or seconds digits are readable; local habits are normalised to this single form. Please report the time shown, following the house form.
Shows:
8:20:08
